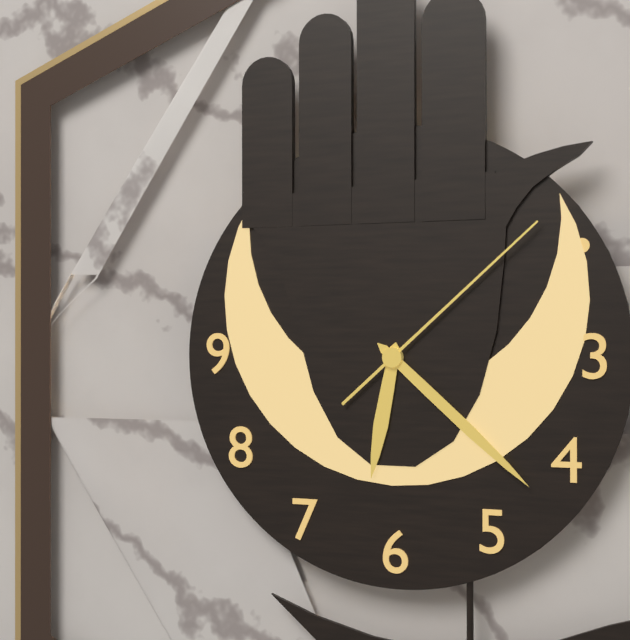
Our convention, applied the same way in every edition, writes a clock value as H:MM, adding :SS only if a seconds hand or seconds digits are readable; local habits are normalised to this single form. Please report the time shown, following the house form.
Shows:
6:22:08
